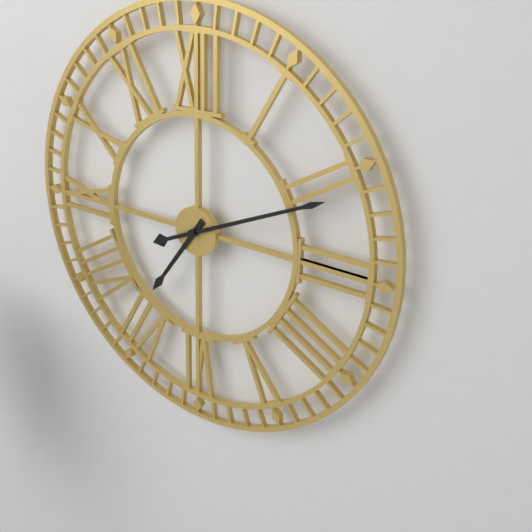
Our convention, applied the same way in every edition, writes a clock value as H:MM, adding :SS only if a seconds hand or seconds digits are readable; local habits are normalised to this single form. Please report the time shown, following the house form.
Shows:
7:11
